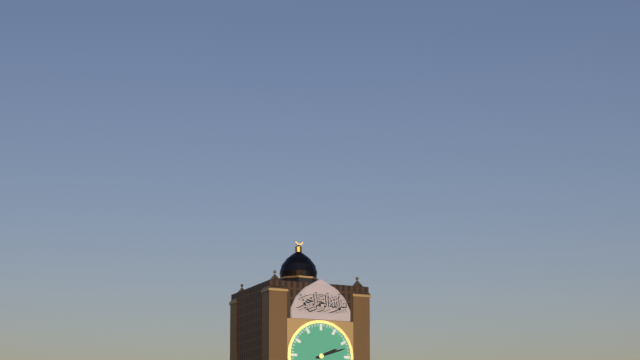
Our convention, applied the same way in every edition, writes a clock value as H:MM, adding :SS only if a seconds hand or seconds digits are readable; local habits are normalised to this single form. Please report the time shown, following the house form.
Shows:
2:12
